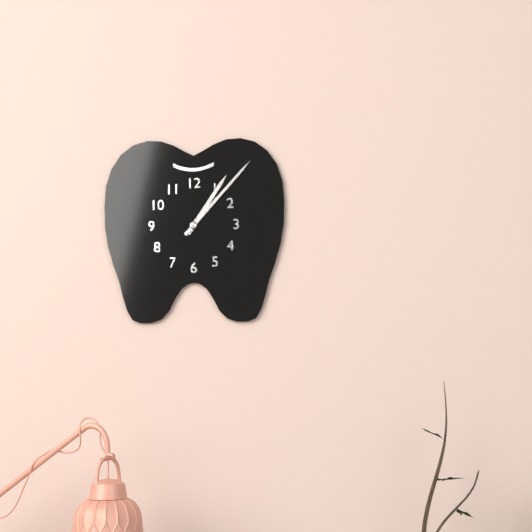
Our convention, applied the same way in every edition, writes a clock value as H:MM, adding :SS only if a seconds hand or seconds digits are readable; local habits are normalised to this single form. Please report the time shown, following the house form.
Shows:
1:07
